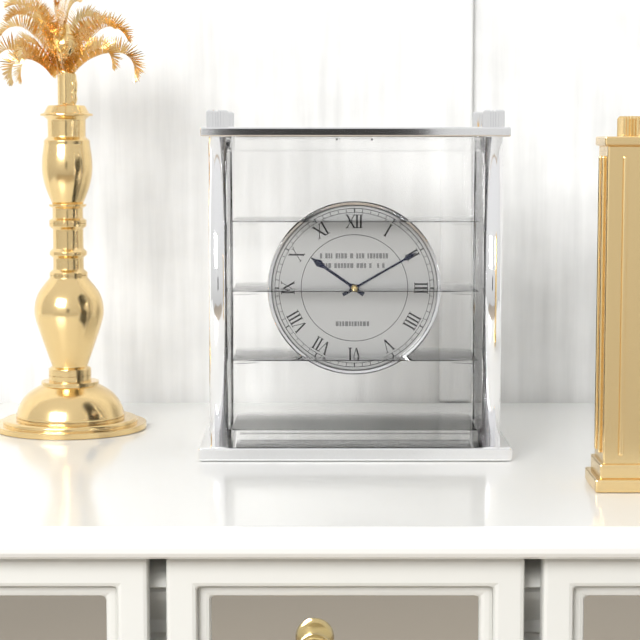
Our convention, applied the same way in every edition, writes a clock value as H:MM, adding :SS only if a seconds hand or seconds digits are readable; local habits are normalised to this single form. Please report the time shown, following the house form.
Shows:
10:10
